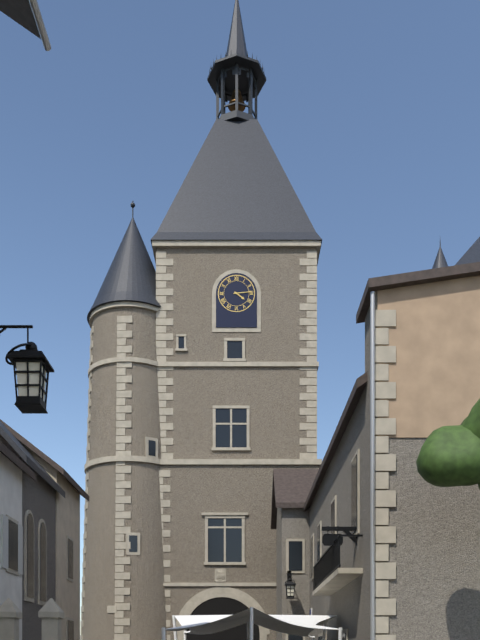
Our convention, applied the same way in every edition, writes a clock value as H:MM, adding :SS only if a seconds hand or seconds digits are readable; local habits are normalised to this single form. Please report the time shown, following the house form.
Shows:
4:14
